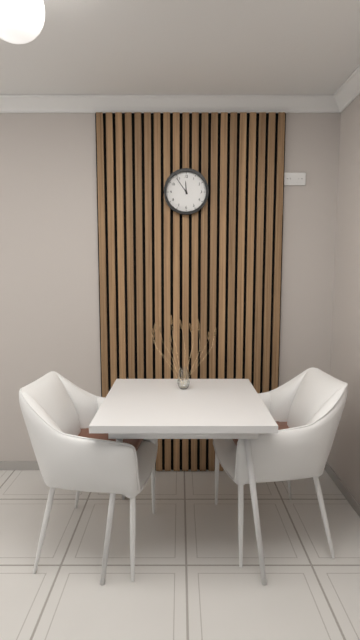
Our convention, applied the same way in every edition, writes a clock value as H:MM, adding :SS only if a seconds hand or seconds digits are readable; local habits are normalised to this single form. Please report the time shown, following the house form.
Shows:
11:54
